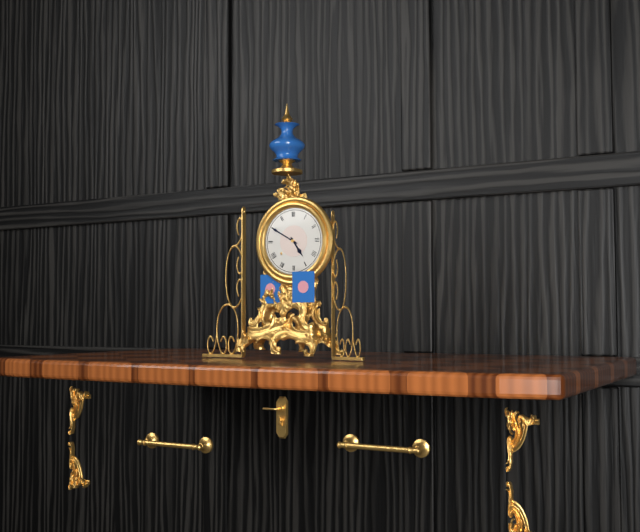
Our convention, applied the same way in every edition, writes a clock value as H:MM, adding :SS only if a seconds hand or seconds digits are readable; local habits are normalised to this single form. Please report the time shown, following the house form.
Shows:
4:50
